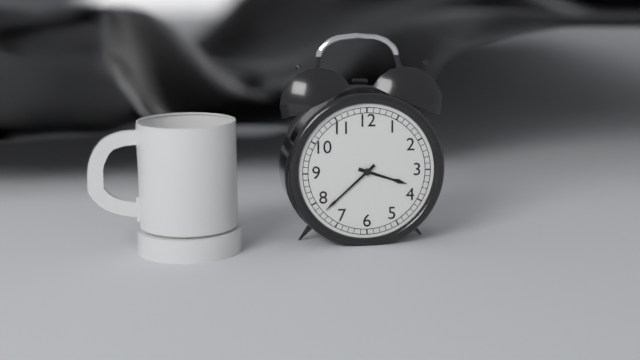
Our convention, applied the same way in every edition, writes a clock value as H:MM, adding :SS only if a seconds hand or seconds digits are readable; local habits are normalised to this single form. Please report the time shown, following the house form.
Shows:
3:38
